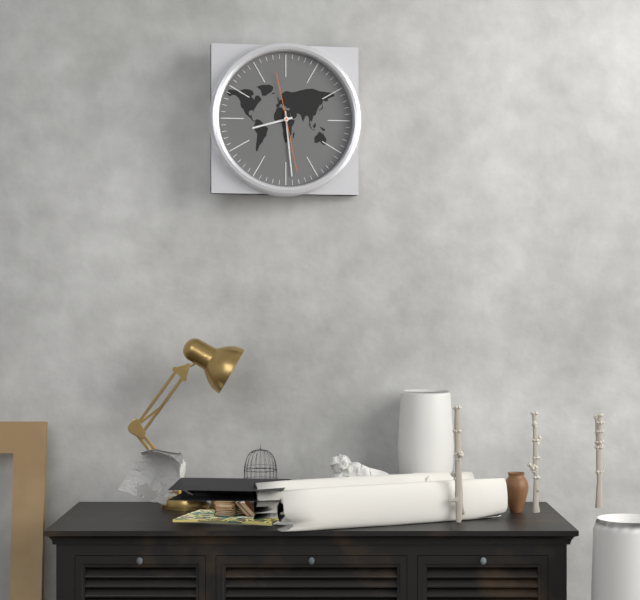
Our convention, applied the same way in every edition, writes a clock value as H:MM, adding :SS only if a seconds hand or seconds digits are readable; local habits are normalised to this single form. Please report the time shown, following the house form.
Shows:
8:29:28
